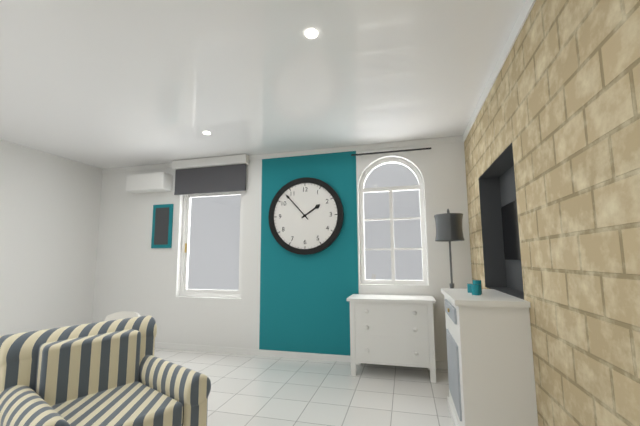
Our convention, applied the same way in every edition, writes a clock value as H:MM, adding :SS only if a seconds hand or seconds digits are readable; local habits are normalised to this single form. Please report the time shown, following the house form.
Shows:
1:53
